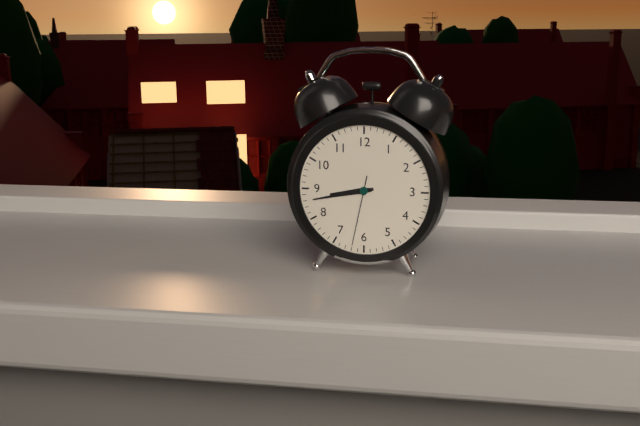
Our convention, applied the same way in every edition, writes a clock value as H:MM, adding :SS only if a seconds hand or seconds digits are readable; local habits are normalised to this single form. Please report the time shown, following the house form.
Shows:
8:43:32
